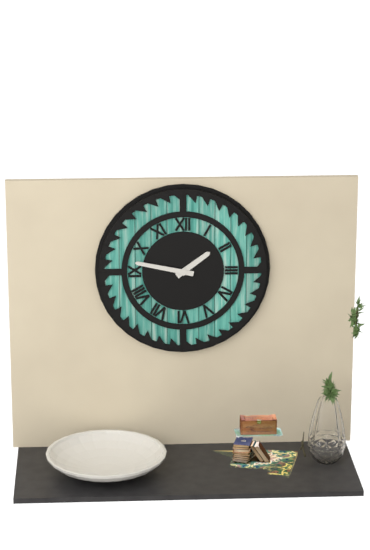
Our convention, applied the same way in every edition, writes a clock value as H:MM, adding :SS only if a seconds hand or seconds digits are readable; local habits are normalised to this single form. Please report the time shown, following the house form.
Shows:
1:47
